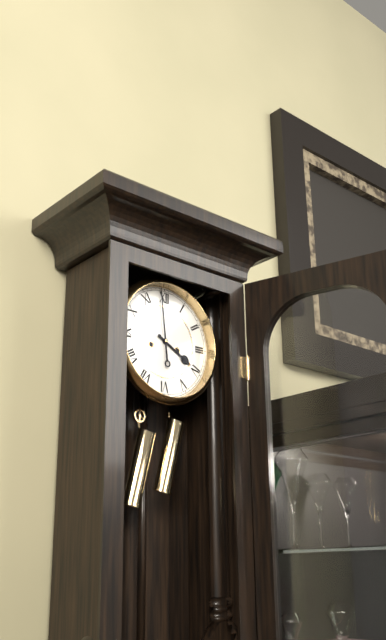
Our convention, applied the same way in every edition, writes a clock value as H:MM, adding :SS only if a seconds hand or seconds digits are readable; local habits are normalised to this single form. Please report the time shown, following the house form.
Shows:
3:59
